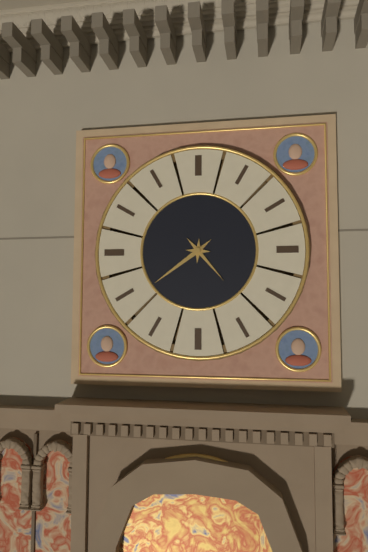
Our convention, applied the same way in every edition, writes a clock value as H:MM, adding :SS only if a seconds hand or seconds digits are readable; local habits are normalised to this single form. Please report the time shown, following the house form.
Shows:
4:39
